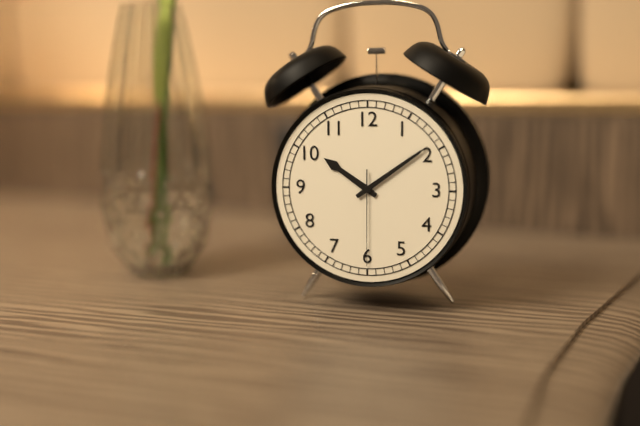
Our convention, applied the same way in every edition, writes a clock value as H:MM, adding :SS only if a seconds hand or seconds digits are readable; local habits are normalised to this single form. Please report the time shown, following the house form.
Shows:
10:09:30
